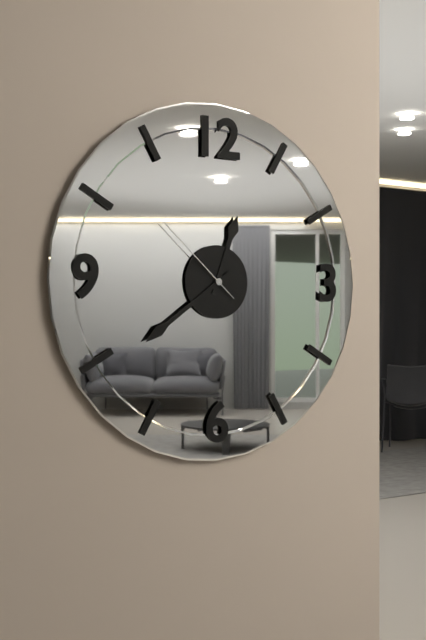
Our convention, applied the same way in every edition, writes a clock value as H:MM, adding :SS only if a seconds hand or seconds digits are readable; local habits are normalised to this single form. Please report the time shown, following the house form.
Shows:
12:39:52
